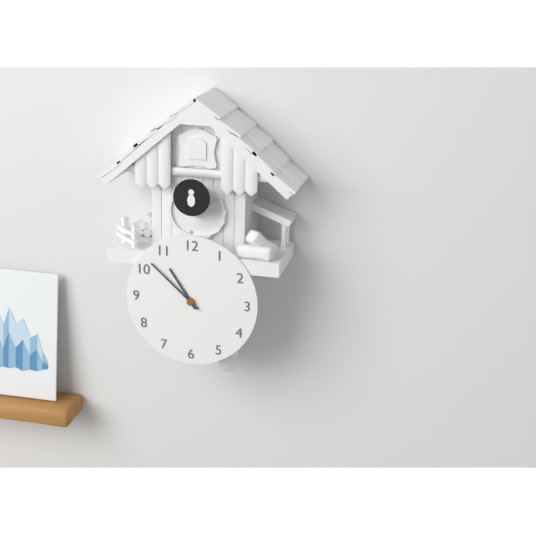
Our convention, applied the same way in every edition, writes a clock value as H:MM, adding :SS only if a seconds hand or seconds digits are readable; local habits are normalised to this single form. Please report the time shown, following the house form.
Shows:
10:52
